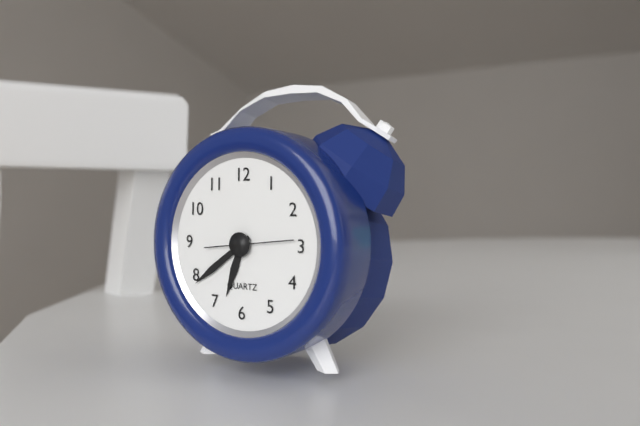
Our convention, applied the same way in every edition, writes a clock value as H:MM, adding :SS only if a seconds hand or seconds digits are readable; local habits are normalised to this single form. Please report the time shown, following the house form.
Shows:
6:39:14
